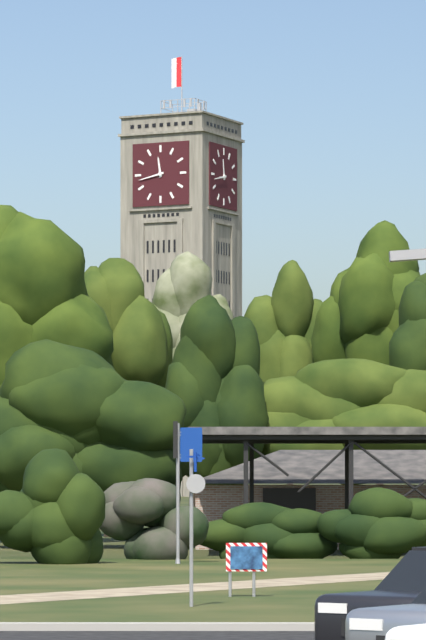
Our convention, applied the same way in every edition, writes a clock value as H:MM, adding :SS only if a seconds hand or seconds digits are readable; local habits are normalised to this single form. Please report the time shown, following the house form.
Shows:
11:43
